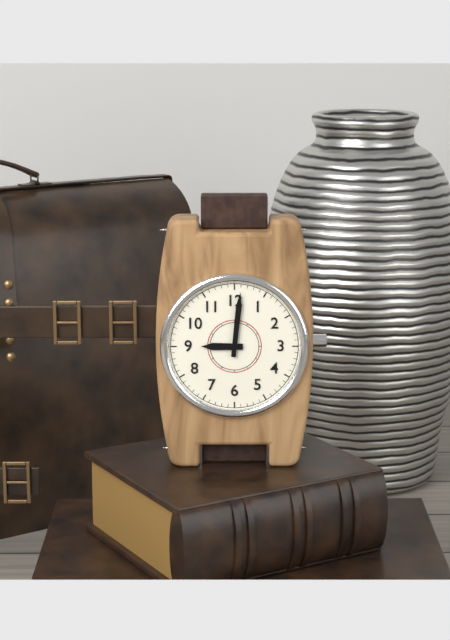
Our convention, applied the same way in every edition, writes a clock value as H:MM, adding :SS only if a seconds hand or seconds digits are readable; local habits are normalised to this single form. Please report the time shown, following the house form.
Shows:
9:01
